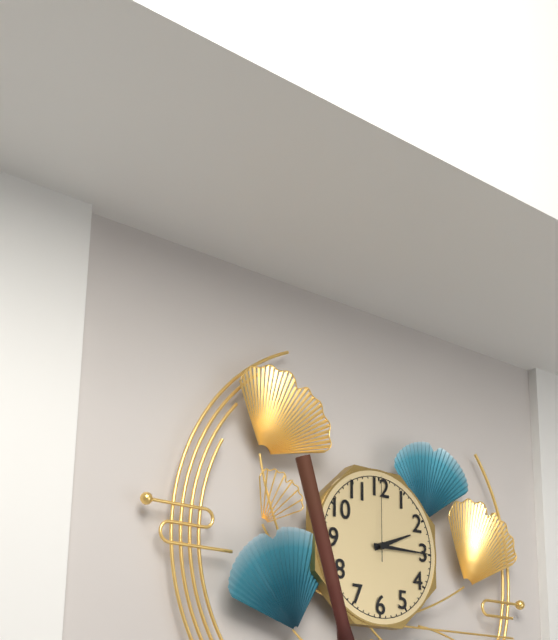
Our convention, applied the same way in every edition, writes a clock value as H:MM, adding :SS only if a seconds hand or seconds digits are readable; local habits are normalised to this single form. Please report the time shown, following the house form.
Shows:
2:15:00
